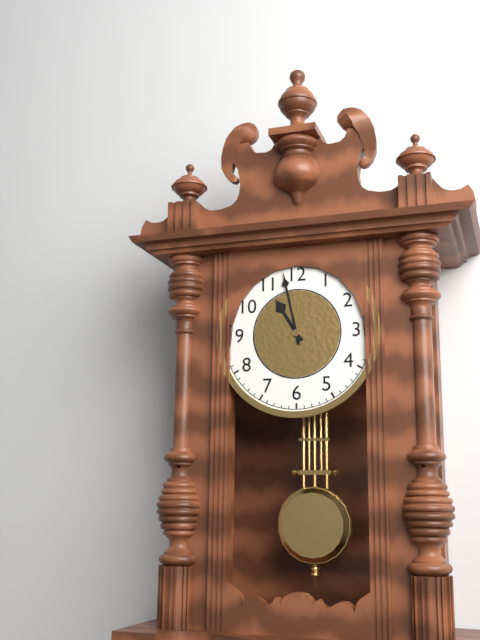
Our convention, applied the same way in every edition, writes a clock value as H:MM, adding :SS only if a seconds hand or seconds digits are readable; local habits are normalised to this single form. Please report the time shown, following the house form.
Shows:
10:58
